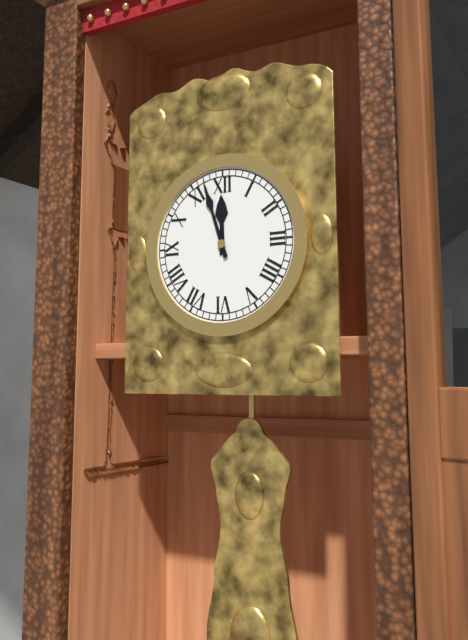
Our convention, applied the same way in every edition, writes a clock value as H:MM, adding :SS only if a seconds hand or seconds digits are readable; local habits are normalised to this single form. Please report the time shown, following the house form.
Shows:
11:57
